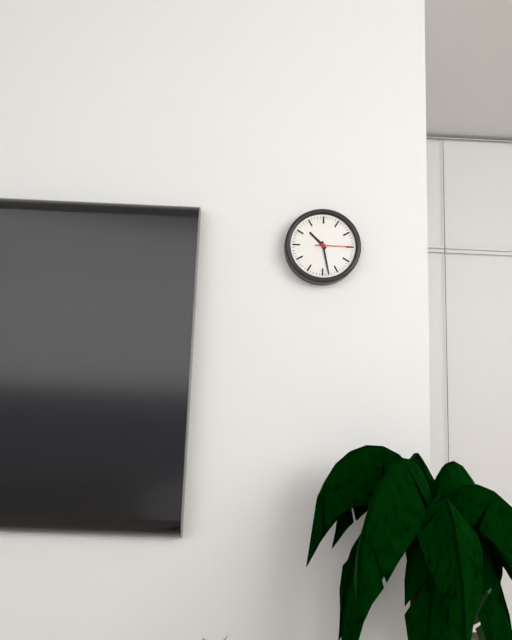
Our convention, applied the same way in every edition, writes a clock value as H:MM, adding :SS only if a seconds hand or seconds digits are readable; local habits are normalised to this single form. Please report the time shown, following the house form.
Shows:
10:28
